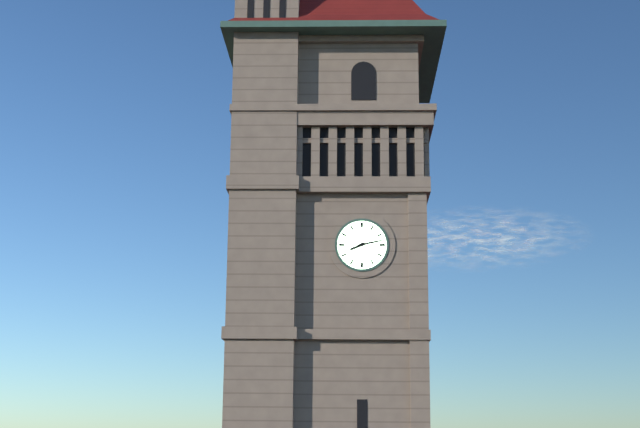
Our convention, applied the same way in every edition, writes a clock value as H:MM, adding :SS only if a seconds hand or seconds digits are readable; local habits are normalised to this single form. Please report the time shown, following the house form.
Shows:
8:13
